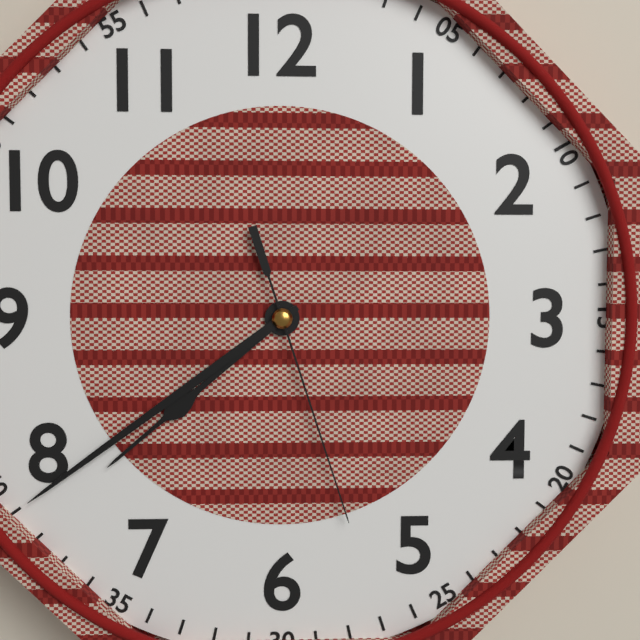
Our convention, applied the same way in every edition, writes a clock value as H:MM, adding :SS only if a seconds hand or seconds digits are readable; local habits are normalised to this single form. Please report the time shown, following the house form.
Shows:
7:39:27
